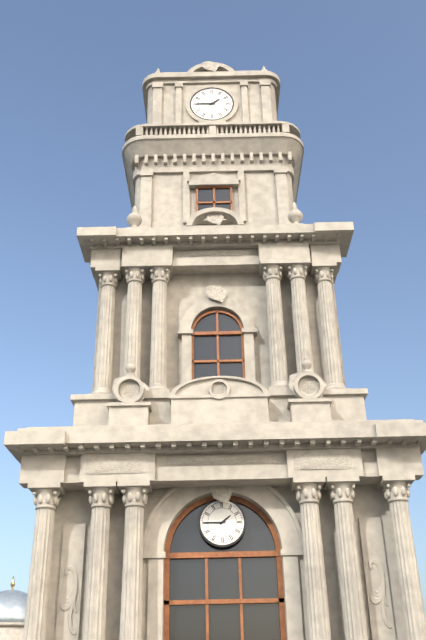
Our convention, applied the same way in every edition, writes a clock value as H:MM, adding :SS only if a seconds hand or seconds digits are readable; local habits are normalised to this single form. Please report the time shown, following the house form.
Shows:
1:45
